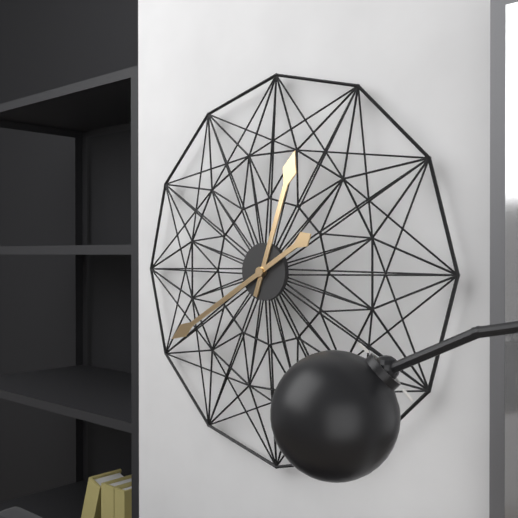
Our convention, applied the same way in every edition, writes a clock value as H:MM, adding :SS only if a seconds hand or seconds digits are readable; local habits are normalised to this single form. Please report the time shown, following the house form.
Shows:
12:40
